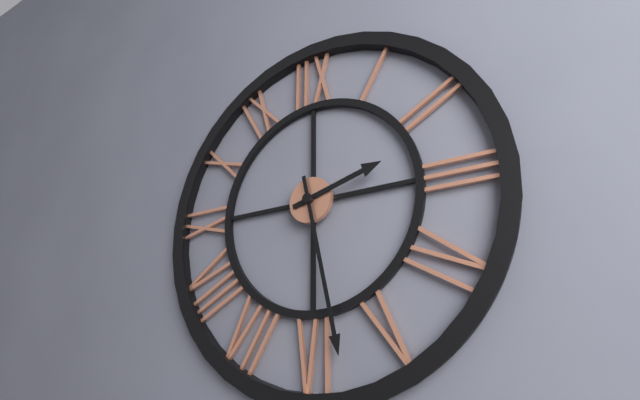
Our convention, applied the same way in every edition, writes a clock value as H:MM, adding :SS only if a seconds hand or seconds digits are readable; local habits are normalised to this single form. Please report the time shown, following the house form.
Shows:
2:28
